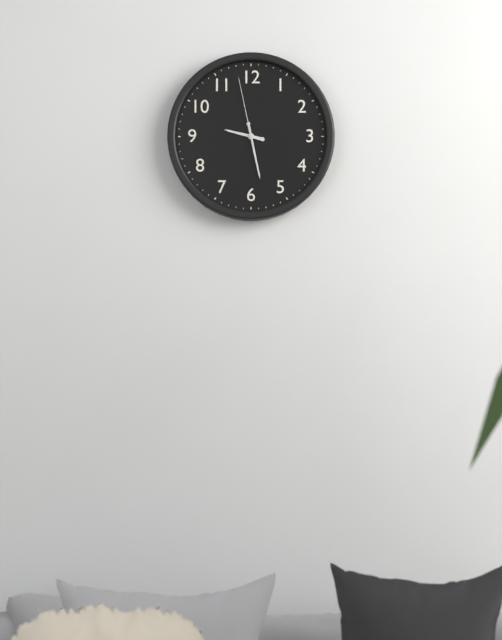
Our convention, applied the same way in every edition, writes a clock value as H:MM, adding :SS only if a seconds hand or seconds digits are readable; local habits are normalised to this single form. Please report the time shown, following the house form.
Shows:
9:28:58
